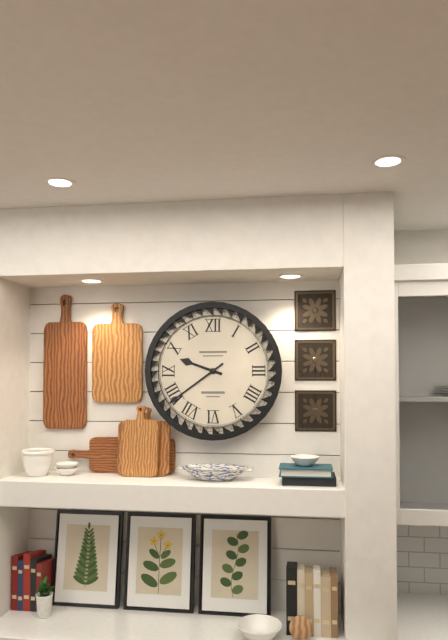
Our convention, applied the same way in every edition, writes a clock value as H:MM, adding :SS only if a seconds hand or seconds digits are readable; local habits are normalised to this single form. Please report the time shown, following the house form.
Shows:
9:39
